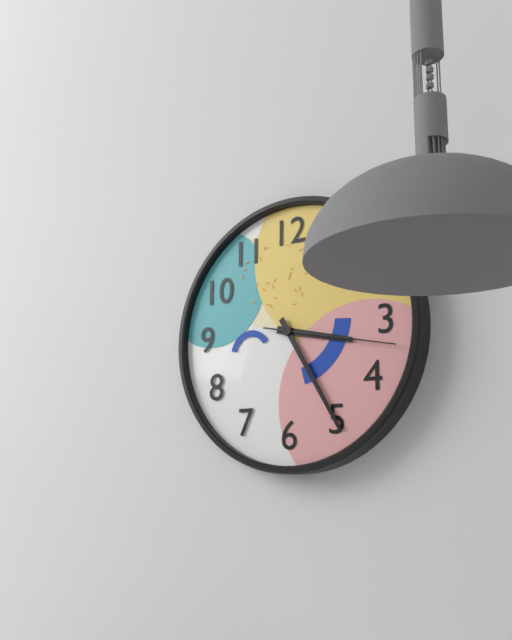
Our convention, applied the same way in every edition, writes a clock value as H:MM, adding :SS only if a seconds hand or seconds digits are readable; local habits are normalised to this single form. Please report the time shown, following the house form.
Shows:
3:25:17
